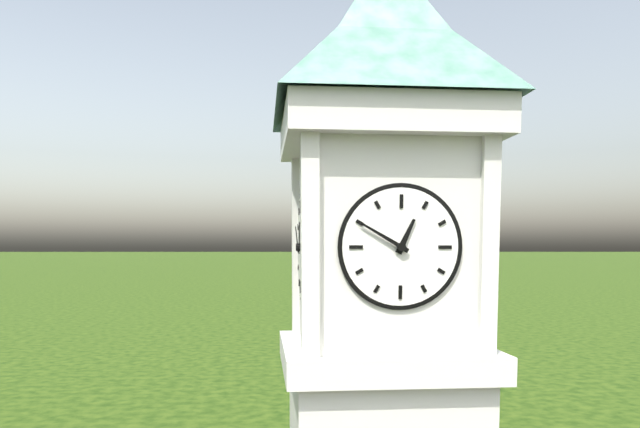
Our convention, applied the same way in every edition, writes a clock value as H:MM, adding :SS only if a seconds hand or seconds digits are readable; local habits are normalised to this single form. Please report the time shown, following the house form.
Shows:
12:50
